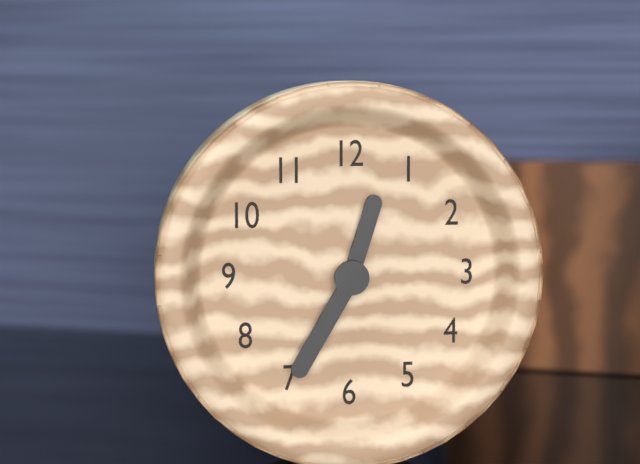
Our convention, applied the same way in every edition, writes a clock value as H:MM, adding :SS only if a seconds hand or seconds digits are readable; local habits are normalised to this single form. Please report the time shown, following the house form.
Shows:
12:35
